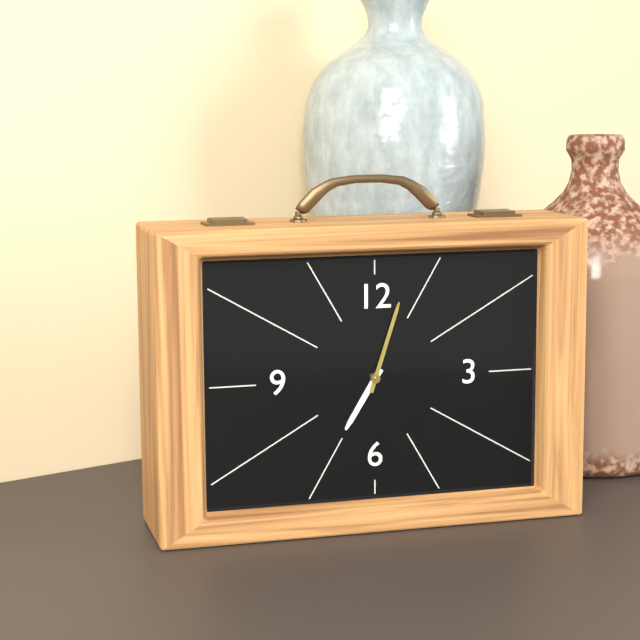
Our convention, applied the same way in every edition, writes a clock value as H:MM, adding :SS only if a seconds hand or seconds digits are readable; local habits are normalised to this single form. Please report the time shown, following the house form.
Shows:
7:03
